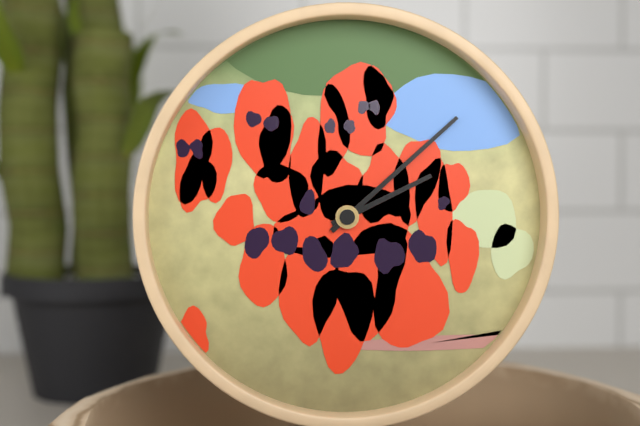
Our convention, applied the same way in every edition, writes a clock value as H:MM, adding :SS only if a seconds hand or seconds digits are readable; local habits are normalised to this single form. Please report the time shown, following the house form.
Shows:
2:08
